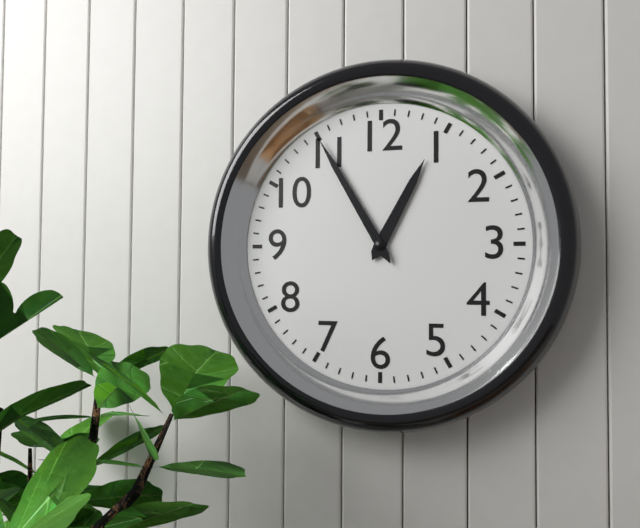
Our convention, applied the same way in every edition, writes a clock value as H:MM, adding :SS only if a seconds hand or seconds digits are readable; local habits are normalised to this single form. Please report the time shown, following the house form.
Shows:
12:55
